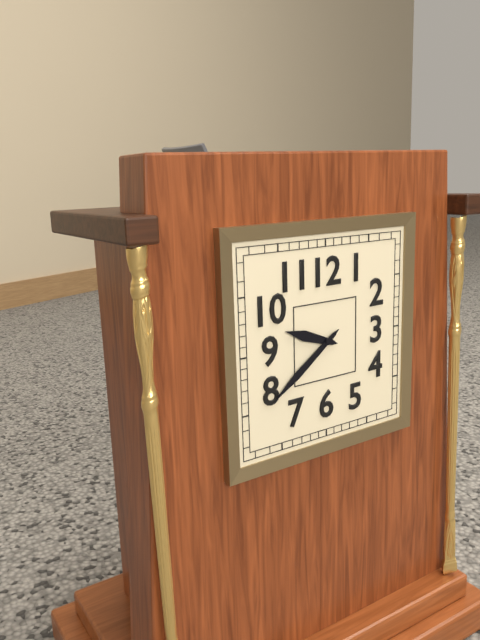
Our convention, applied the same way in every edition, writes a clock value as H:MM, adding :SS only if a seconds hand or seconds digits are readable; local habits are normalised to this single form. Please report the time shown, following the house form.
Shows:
9:39
